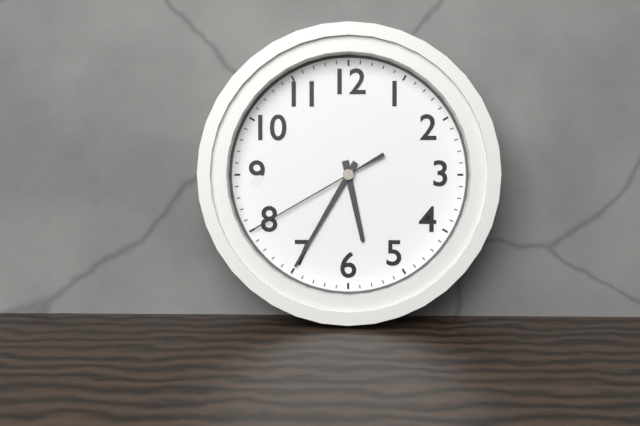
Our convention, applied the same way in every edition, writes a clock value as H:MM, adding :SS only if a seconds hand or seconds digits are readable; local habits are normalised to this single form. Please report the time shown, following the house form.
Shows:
5:35:40
